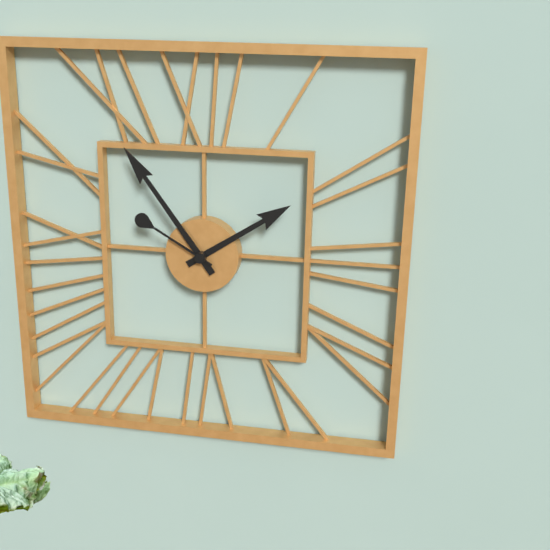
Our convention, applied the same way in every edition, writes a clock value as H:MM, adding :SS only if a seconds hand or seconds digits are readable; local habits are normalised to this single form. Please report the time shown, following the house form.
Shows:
1:54:50
